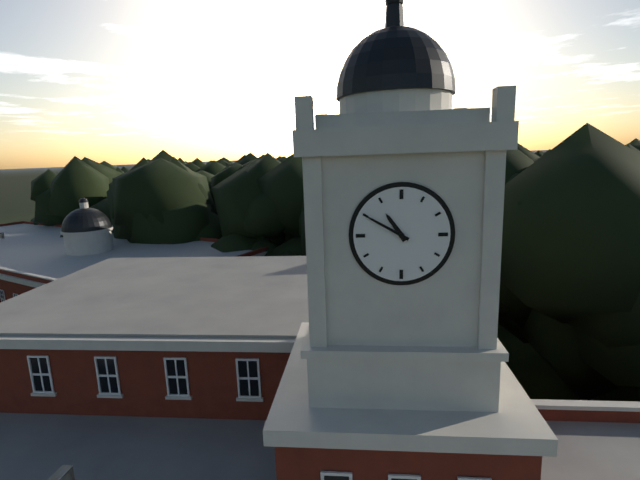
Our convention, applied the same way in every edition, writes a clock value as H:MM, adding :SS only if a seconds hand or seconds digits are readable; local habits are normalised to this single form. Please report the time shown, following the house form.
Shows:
10:50
